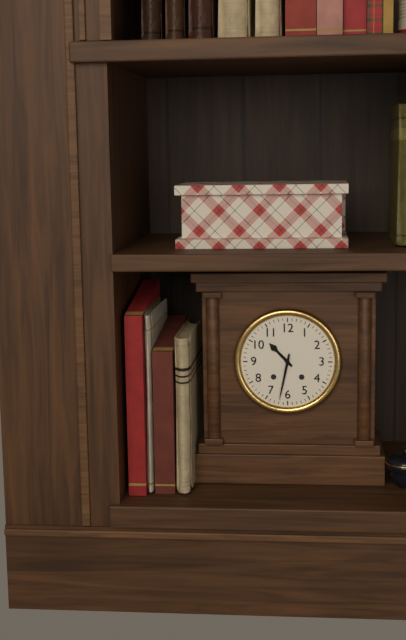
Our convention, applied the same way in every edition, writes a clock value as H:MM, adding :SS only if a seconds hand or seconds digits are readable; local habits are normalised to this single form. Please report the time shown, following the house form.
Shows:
10:32
